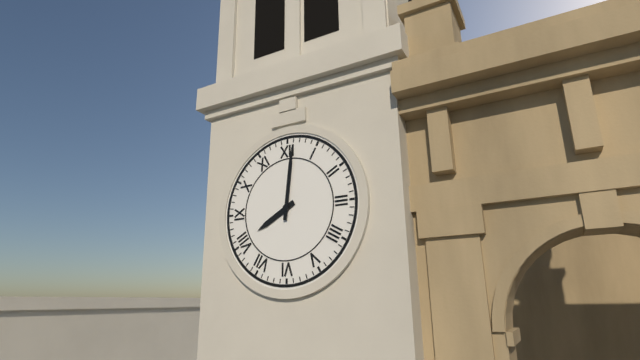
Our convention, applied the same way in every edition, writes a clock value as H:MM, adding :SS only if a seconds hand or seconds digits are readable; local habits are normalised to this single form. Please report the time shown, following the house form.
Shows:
8:01
